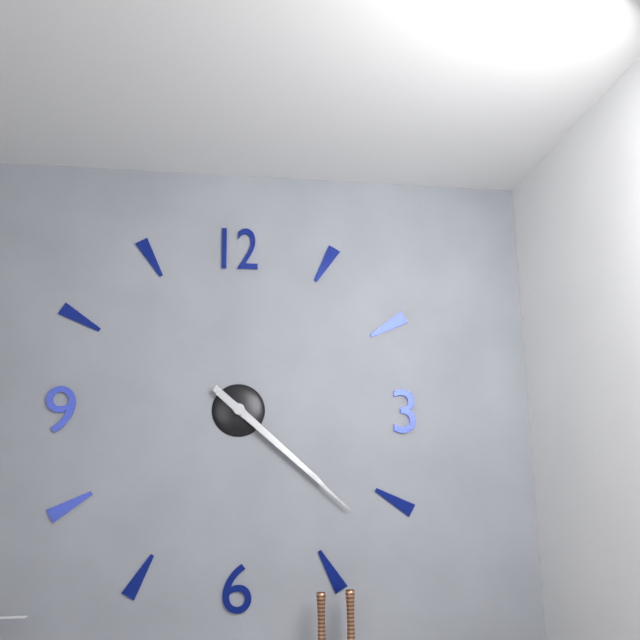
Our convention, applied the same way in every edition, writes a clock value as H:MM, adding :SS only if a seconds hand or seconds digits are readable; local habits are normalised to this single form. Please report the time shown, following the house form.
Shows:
4:22
